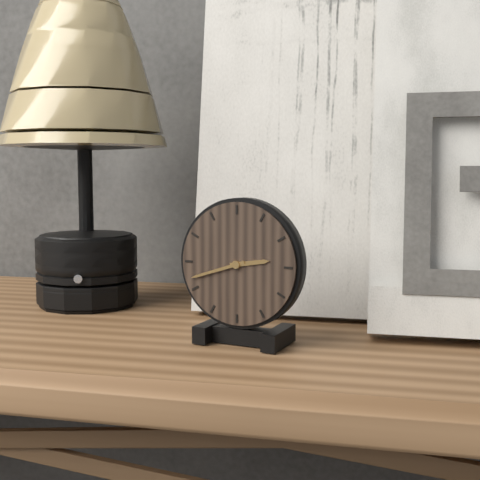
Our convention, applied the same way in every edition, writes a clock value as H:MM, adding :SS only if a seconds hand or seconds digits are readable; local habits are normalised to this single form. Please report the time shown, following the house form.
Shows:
2:42
